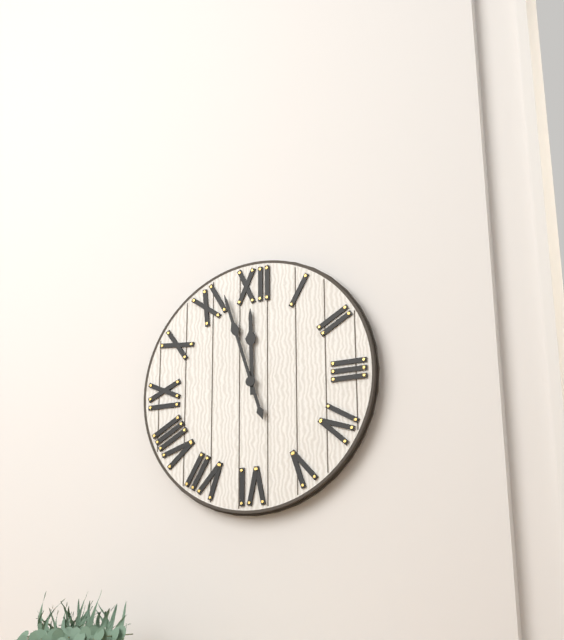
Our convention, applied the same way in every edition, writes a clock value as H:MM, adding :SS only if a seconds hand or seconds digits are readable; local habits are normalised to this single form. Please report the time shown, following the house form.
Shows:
11:57
